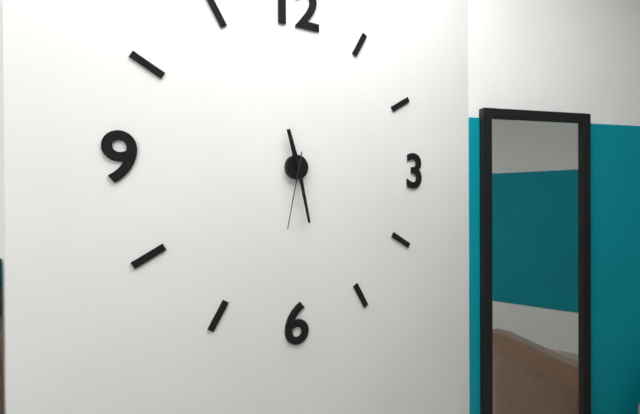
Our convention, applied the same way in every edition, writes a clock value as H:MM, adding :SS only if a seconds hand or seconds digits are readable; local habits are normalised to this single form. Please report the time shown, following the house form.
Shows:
11:28:32
